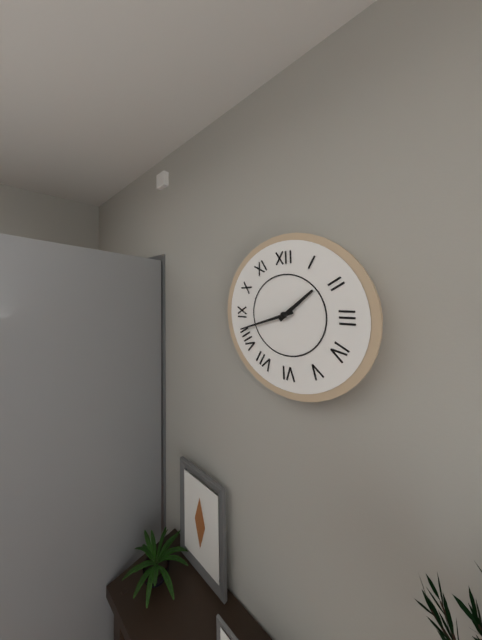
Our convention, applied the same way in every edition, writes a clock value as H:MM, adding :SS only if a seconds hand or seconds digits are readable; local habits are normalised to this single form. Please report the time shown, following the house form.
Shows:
1:42
